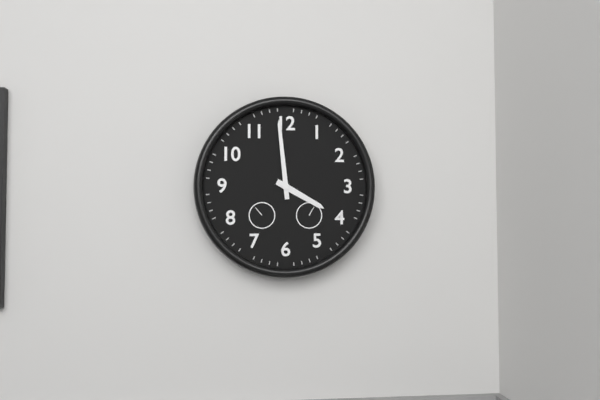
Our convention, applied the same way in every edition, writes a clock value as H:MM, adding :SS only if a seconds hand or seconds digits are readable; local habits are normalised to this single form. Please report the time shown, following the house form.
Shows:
3:59
